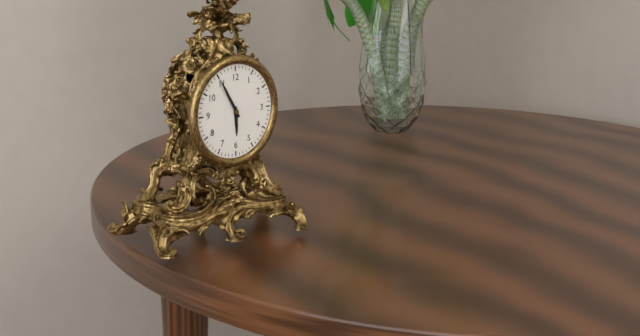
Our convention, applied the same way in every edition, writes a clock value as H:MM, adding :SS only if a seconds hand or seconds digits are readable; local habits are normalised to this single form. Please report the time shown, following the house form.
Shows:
5:55
